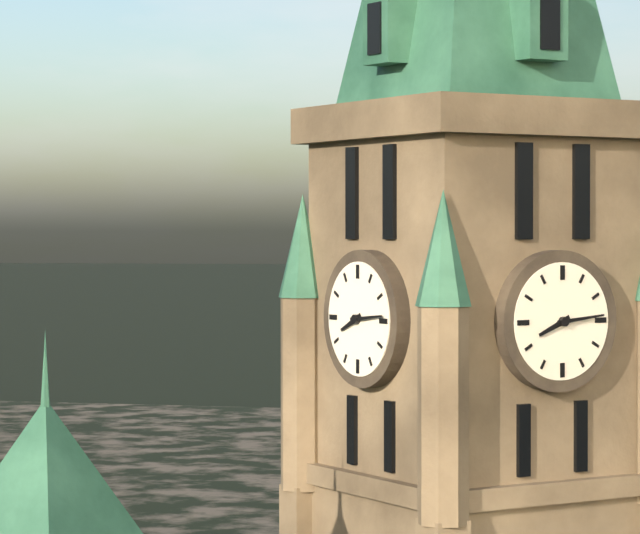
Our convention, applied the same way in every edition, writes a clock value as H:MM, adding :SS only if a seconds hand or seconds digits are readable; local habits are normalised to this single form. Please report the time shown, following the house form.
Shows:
8:14
